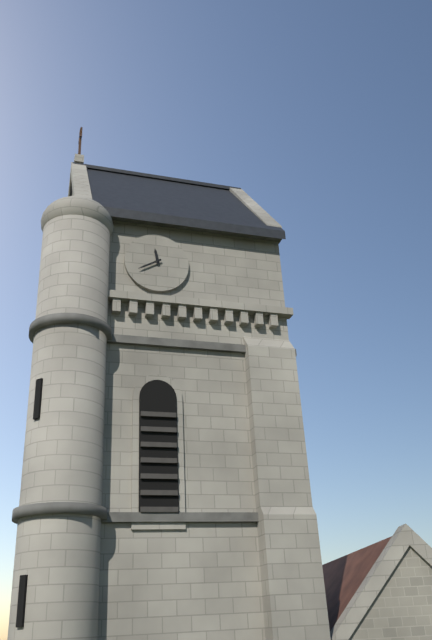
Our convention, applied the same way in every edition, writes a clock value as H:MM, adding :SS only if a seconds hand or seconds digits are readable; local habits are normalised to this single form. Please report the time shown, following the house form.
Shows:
11:40
